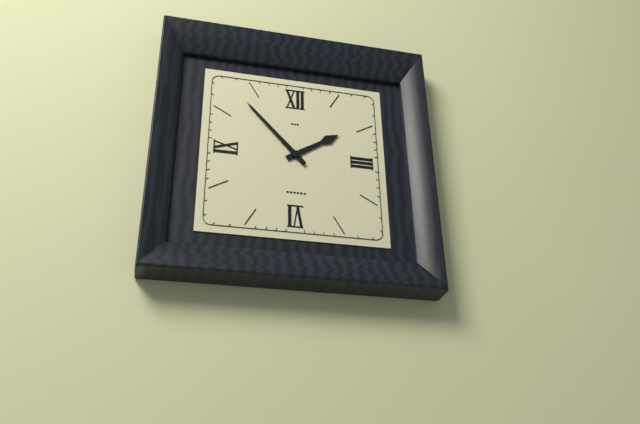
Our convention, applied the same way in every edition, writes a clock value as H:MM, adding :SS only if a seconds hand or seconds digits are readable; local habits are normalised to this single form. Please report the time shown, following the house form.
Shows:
1:53
